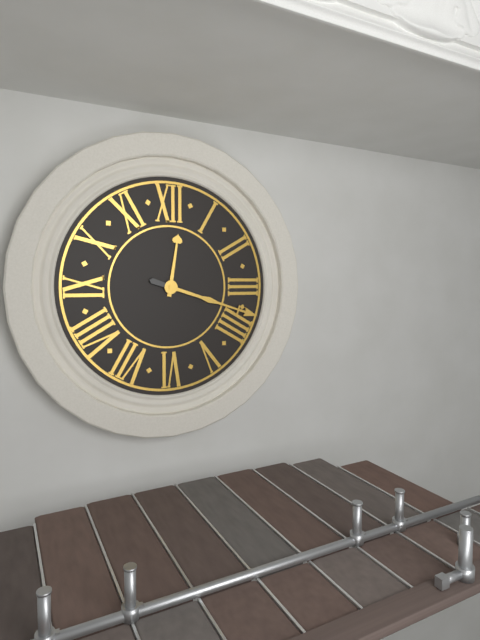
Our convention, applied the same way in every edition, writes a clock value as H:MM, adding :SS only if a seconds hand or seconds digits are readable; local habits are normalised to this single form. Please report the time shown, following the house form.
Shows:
12:18
